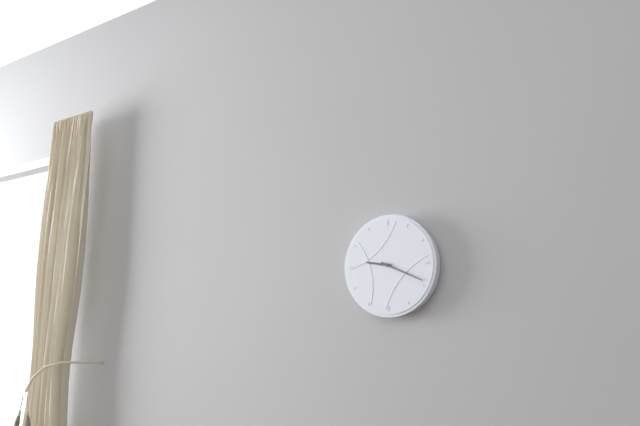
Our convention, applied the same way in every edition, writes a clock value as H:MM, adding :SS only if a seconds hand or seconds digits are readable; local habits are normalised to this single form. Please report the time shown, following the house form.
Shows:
9:19
